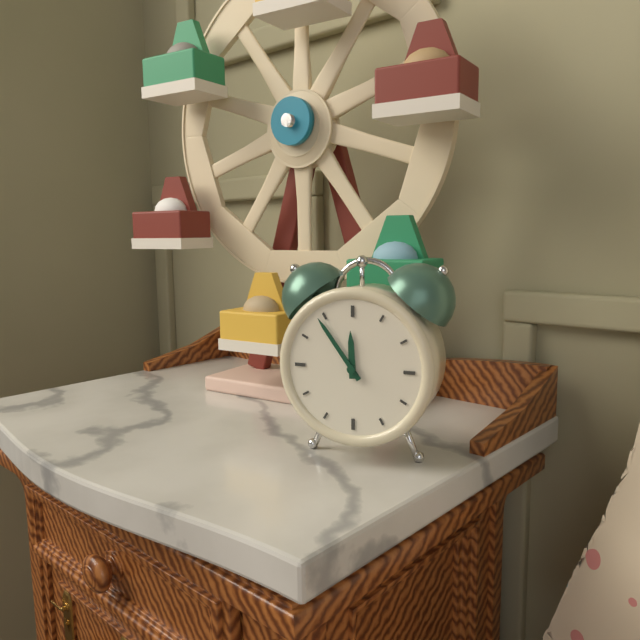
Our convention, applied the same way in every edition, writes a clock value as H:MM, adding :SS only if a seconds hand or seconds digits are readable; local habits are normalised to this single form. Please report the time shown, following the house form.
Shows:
11:54
